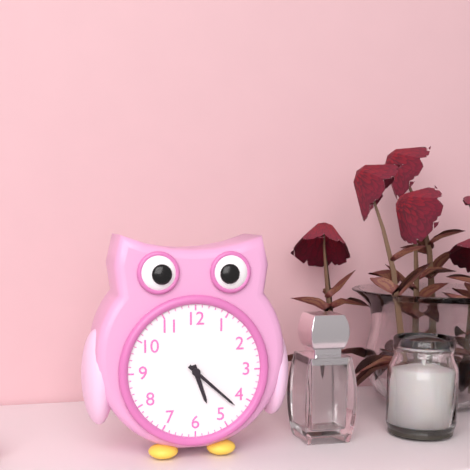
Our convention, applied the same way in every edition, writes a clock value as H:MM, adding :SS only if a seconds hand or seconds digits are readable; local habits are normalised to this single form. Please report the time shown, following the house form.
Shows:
5:22
